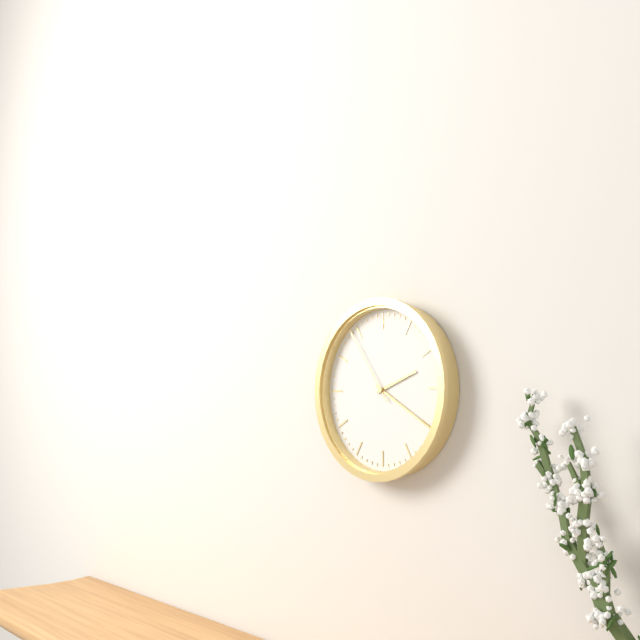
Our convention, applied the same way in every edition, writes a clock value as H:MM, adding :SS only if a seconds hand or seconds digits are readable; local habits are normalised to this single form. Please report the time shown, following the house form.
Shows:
2:20:54
